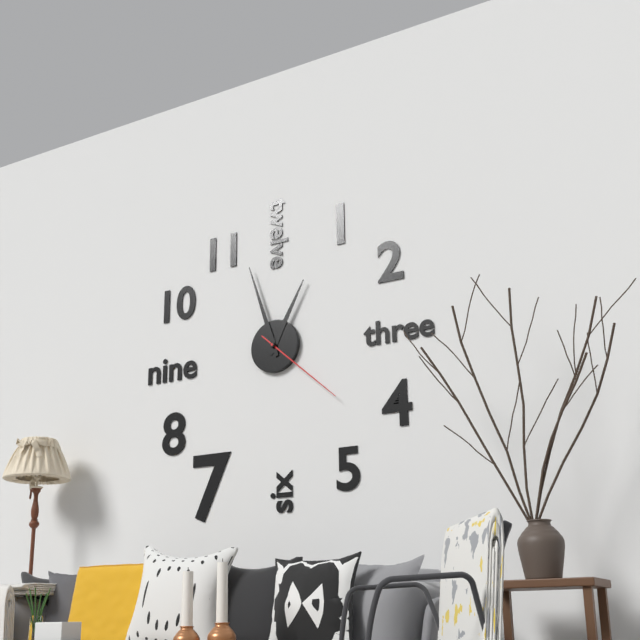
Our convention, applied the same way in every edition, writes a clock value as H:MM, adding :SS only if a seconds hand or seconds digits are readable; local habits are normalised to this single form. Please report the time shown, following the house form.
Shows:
12:57:22
